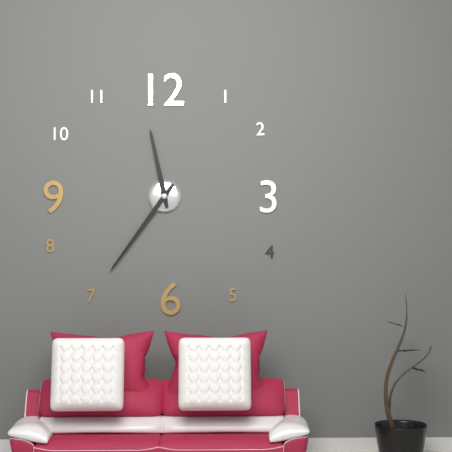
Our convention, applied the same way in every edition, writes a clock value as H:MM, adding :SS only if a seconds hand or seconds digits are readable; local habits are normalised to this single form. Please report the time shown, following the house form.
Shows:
11:36
